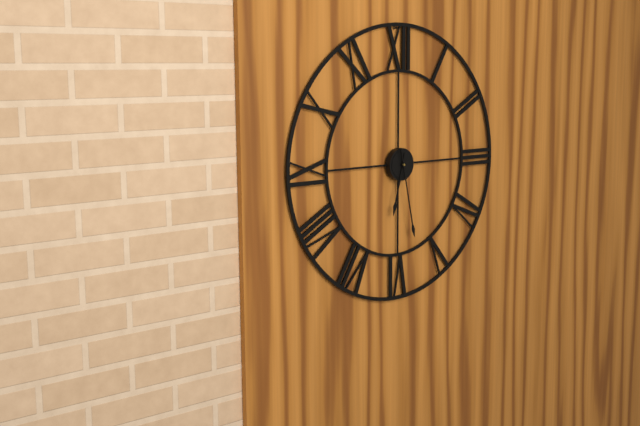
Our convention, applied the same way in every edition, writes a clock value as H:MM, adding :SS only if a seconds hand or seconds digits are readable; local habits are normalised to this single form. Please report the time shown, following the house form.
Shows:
6:28
